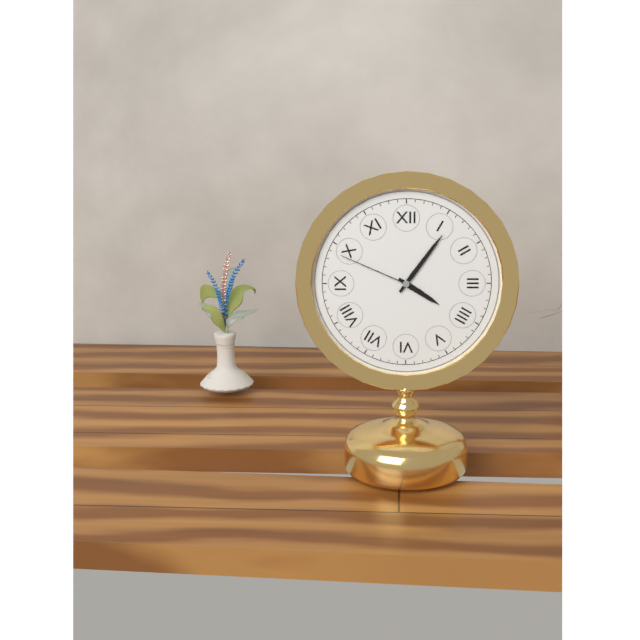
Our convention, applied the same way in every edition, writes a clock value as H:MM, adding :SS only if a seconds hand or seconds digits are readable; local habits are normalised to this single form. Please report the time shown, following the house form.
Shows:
4:06:49
